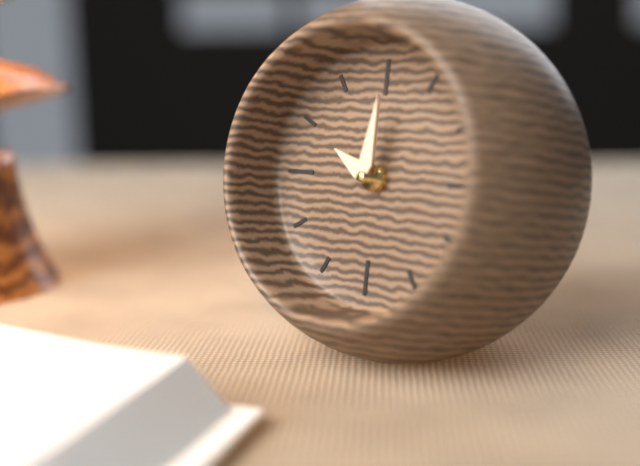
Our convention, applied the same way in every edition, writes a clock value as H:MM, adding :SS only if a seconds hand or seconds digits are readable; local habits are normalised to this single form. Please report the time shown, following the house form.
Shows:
10:01
